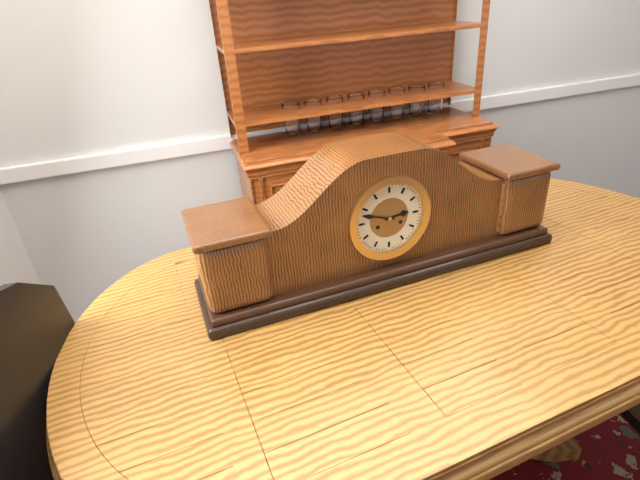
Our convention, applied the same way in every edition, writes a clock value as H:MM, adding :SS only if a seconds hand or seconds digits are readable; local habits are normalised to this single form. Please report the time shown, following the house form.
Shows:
2:48
